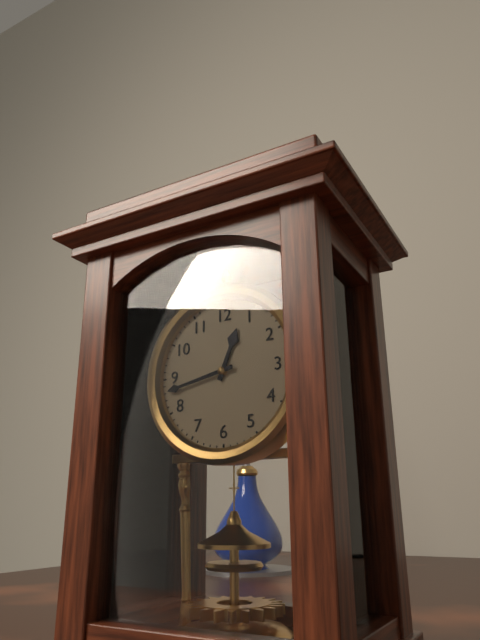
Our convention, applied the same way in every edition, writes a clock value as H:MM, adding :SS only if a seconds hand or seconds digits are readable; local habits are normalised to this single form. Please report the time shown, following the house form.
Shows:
12:43
